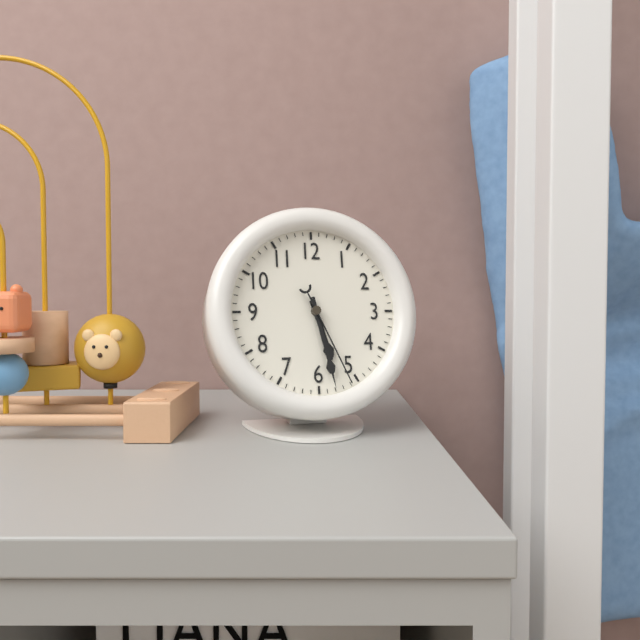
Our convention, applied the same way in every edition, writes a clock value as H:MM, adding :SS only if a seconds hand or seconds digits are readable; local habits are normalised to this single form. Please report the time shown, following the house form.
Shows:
5:28:26
